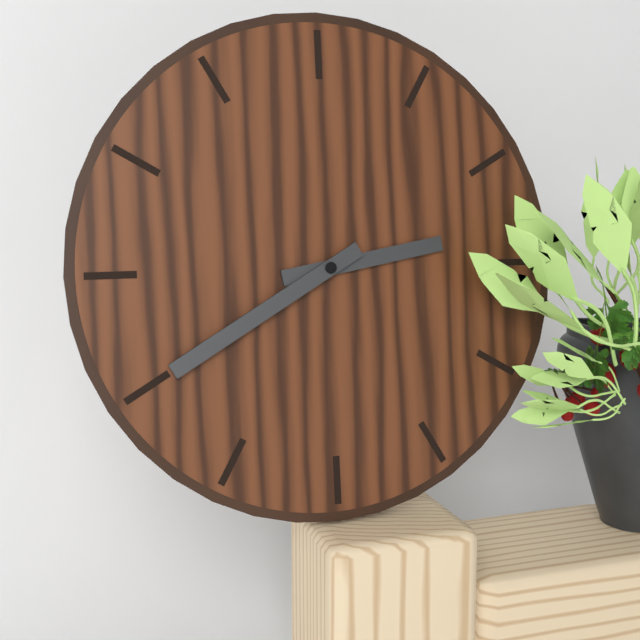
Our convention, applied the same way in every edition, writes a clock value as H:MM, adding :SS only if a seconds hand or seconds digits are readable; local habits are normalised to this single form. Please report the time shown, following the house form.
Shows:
2:40
